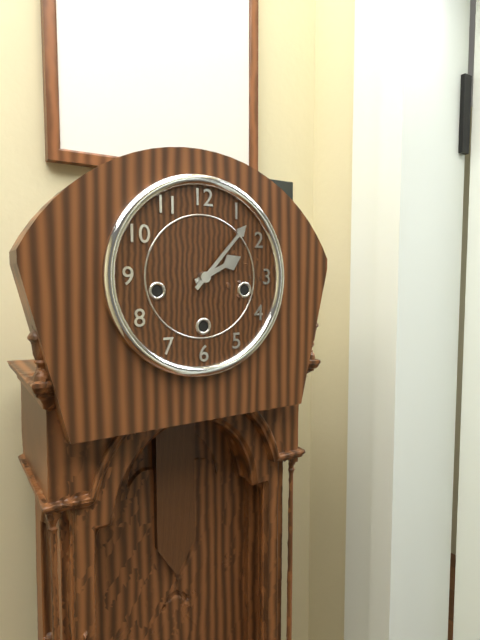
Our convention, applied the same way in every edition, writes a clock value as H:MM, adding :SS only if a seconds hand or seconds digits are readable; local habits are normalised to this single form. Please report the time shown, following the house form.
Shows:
2:07
